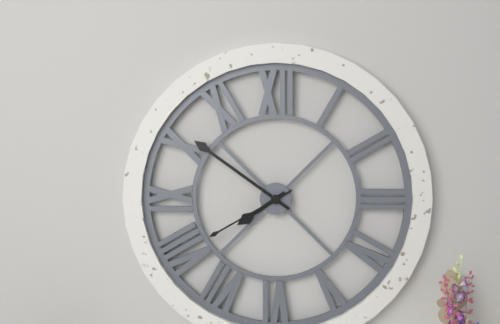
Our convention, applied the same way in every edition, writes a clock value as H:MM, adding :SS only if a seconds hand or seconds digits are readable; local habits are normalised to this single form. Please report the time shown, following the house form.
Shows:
7:51:40
